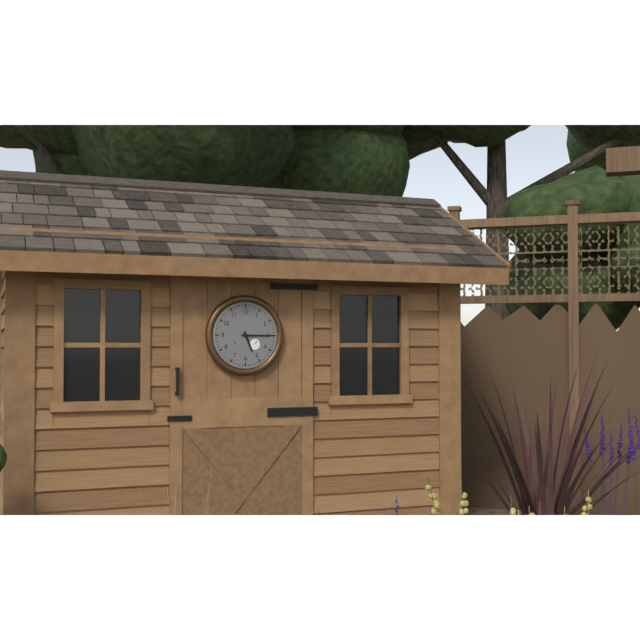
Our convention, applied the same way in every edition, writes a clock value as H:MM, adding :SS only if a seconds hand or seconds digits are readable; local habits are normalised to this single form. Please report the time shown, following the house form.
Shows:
5:15
